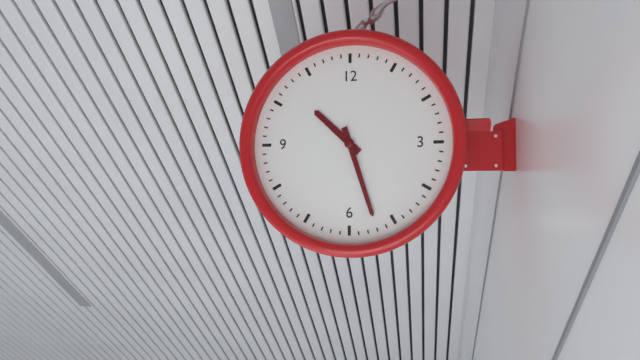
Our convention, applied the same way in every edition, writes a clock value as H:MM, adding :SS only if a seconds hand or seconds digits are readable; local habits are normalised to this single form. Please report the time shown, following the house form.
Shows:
10:27
